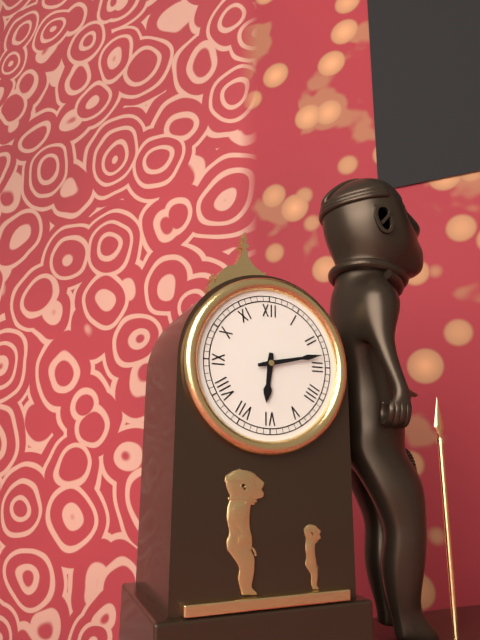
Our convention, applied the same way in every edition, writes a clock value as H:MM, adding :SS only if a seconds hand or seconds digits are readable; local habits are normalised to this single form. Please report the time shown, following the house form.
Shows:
6:13
